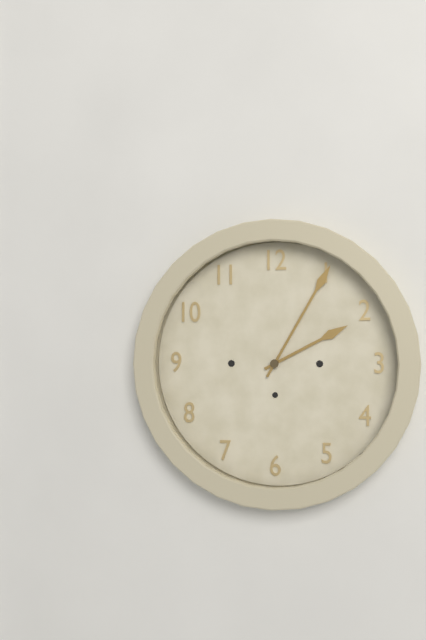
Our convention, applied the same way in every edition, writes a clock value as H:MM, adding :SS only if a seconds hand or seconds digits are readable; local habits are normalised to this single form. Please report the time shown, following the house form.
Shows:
2:05
